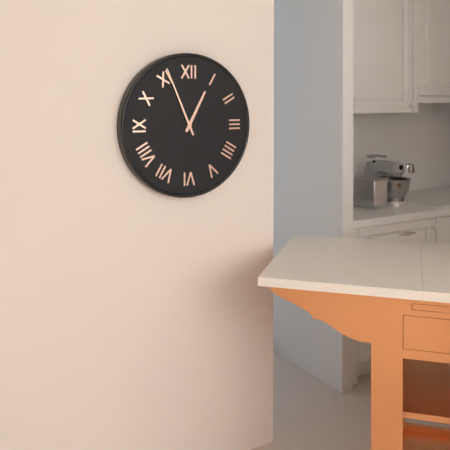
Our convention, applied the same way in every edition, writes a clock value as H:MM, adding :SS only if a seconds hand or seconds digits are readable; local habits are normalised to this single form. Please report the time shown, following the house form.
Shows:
12:56
